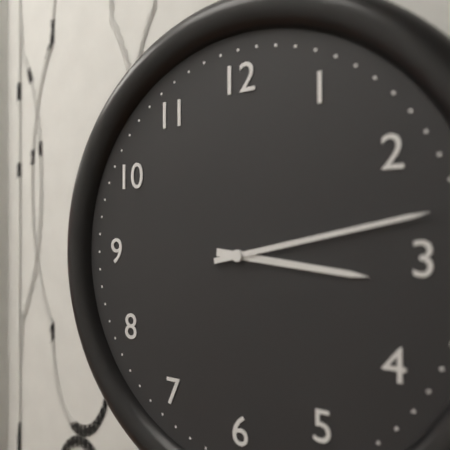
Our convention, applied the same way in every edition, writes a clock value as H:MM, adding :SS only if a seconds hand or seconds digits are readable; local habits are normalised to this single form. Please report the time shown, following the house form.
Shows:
3:13
